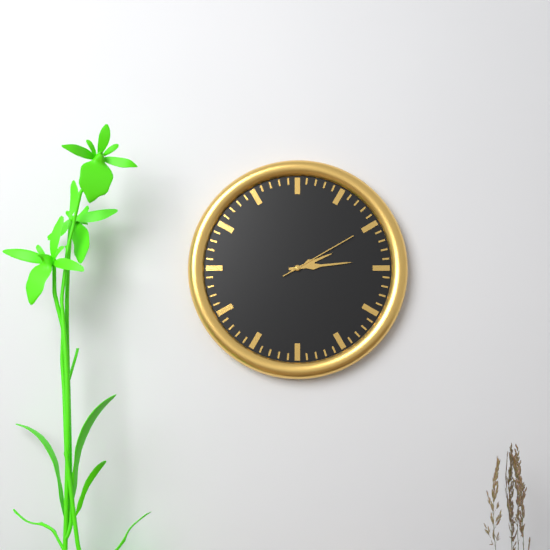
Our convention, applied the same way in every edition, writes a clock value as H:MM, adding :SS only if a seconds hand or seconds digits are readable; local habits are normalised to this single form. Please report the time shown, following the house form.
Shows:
2:14:10
